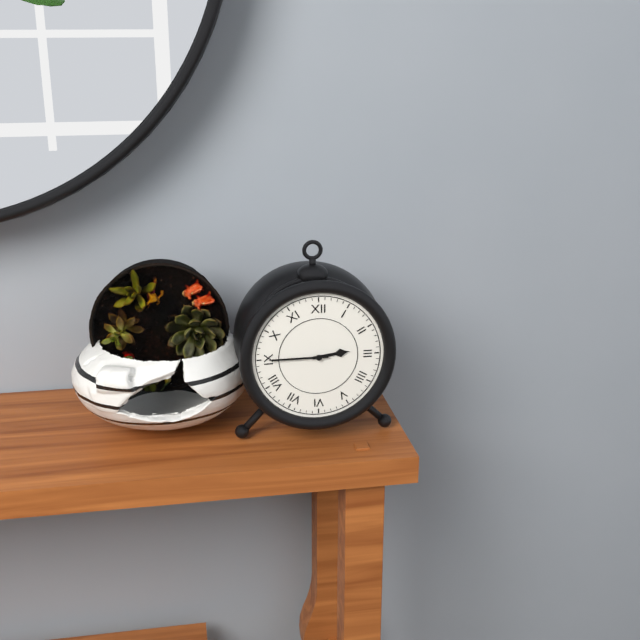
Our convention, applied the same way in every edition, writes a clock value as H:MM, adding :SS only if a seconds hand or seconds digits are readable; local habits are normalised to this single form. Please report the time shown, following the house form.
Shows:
2:45
